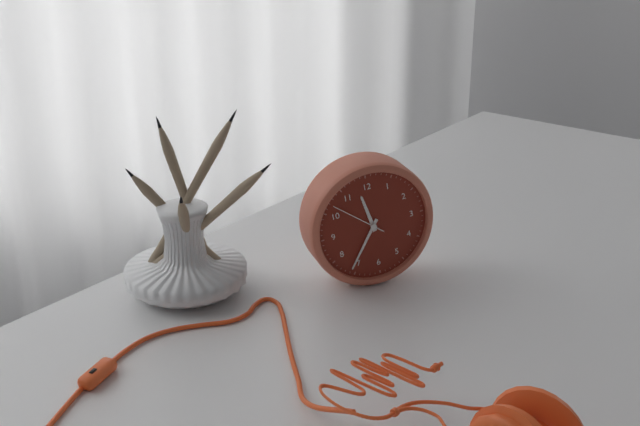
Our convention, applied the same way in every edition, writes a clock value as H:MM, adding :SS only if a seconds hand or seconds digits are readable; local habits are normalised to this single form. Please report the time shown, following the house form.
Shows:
11:36
